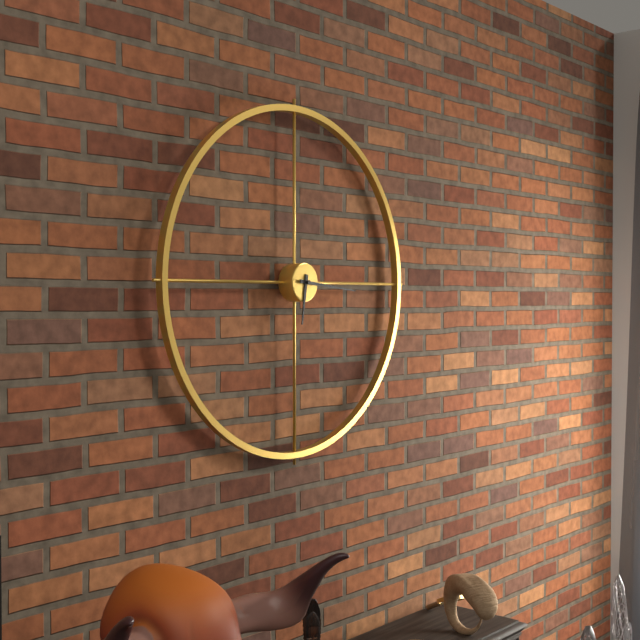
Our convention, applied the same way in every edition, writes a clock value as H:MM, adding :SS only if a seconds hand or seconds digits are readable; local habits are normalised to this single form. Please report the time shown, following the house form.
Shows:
6:16
